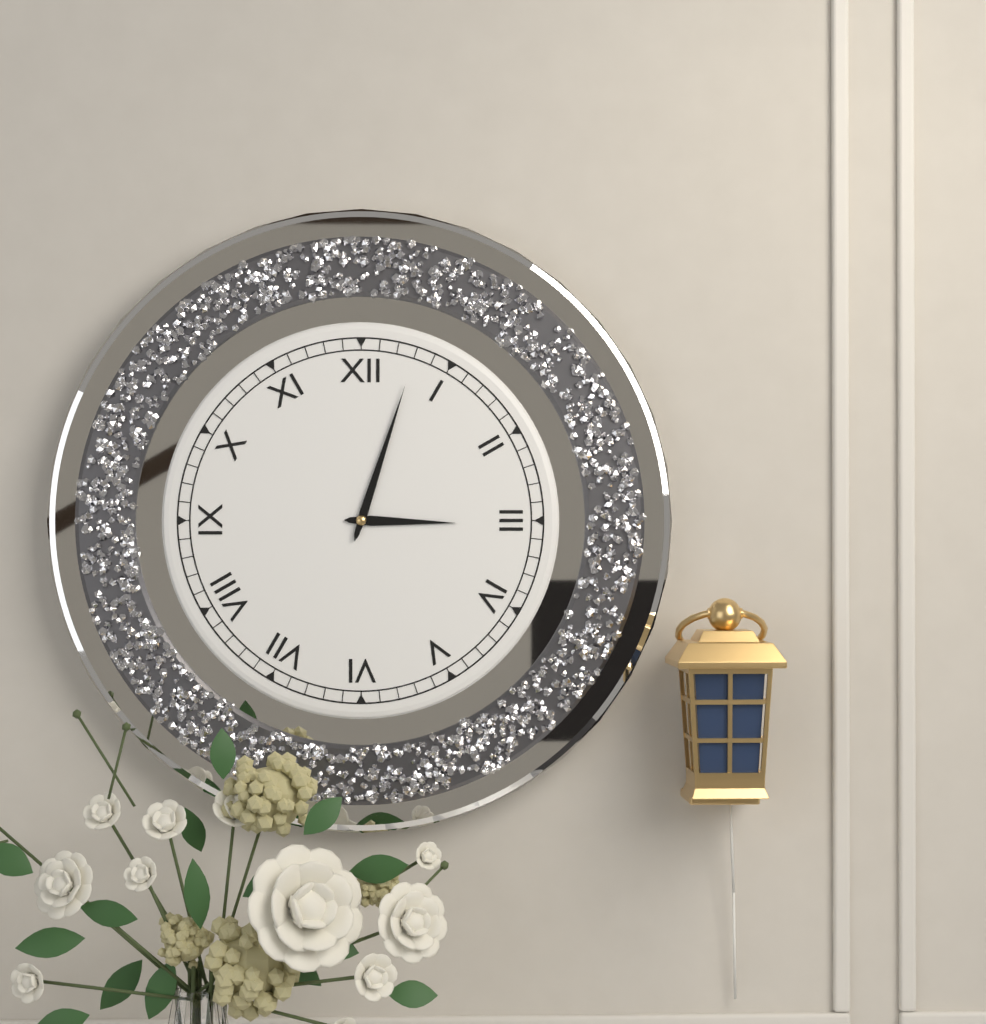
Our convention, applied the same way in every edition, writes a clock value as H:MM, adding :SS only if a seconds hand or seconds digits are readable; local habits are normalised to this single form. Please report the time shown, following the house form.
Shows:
3:03
